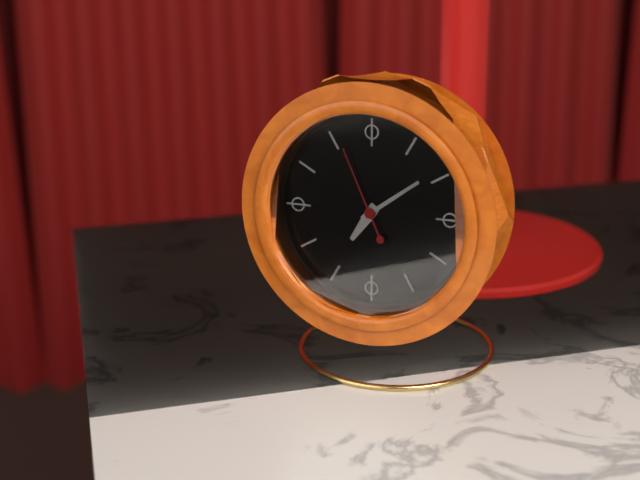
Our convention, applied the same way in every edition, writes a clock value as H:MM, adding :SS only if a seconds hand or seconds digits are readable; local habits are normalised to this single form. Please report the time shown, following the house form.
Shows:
7:09:56
